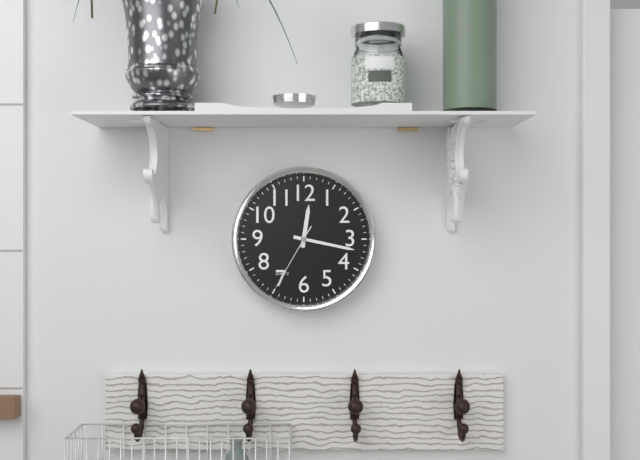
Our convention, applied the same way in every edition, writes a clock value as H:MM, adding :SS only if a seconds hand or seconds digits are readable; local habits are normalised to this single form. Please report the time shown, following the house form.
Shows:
12:17:35
